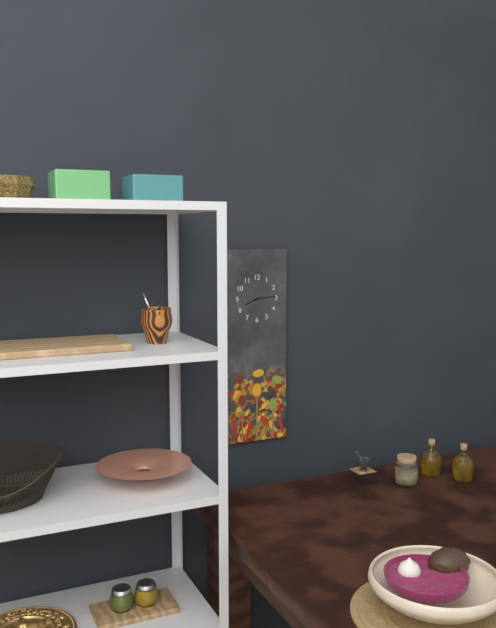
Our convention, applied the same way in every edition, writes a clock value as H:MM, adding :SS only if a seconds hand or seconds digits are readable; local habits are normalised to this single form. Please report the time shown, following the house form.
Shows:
8:14
